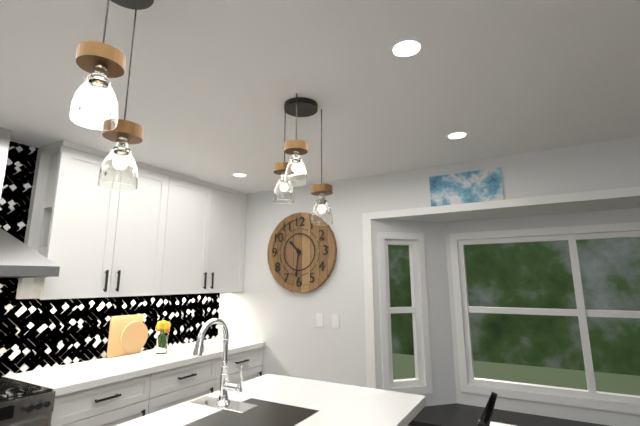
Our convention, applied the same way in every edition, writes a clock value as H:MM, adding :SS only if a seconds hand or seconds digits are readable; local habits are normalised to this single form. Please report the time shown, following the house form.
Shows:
10:31
